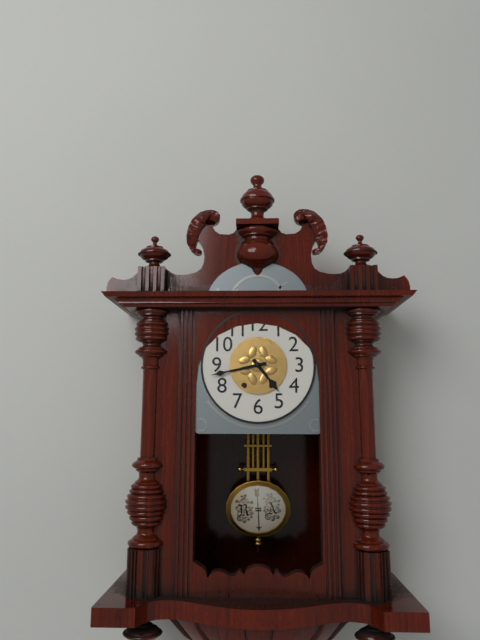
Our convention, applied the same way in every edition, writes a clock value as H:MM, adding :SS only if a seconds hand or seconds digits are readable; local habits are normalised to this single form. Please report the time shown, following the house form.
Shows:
4:43
